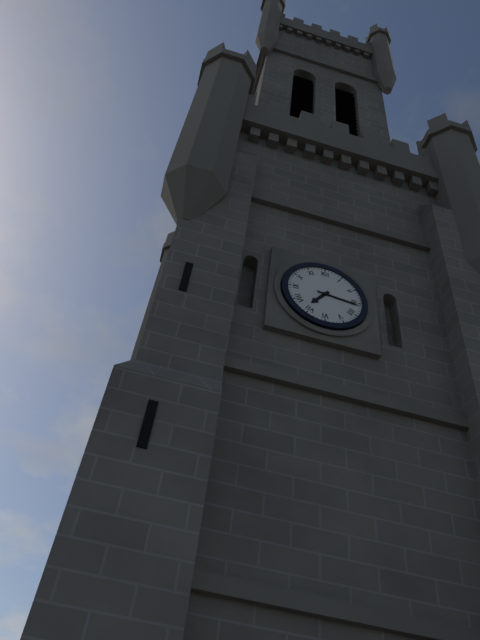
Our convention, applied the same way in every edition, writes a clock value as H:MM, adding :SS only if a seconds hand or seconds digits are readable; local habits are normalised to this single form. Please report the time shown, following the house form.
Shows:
7:16
